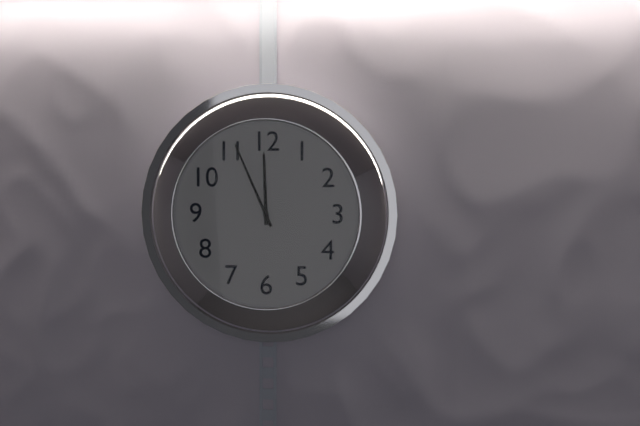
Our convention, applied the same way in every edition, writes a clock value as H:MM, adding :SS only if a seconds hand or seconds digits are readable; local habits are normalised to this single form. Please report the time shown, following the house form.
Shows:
11:56
